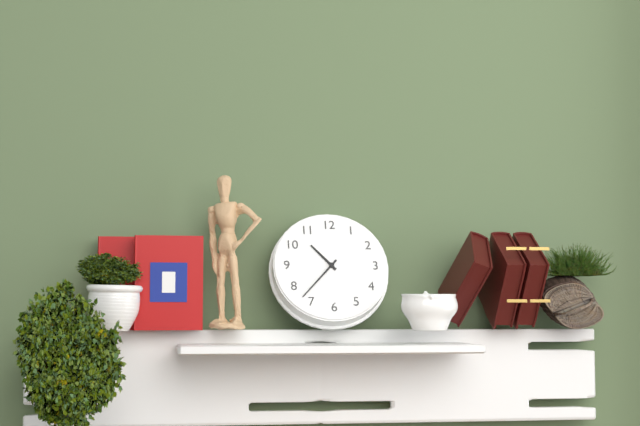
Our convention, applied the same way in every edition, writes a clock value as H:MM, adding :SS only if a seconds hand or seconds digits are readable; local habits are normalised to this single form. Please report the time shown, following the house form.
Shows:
10:37
